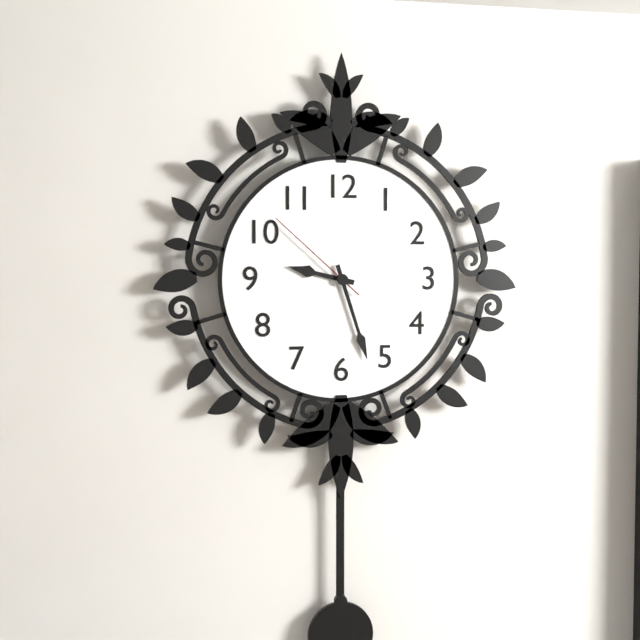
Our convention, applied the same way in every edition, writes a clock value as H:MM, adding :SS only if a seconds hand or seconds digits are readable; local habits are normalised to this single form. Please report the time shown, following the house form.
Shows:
9:27:52
